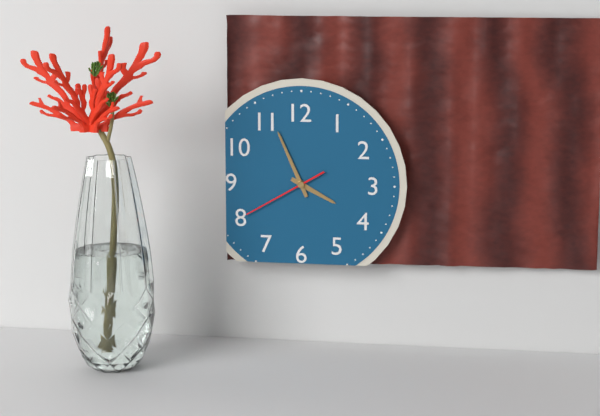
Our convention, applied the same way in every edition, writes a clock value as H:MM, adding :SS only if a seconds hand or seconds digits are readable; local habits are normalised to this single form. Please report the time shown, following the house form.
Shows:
3:56:40
